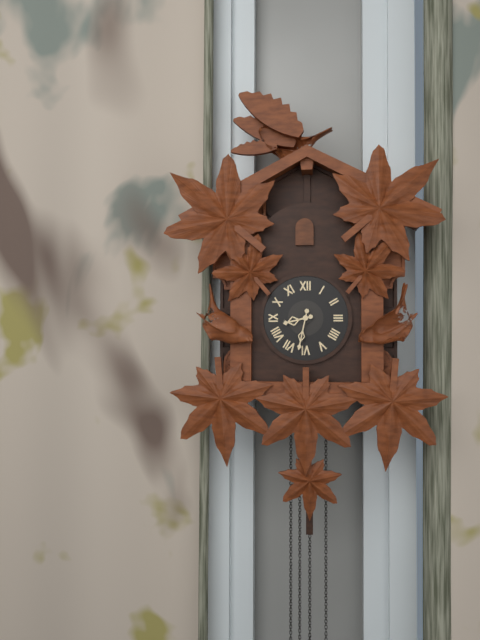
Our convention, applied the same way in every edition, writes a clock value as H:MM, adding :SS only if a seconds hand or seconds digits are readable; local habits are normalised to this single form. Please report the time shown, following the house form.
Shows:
8:32
